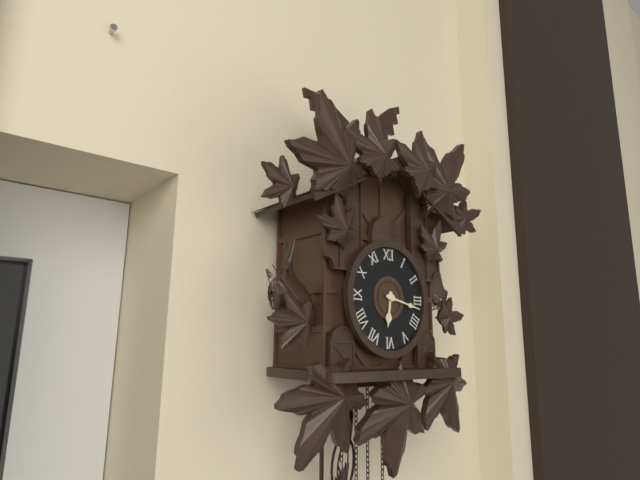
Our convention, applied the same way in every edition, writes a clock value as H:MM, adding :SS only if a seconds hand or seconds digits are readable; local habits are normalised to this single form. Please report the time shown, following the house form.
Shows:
6:17
